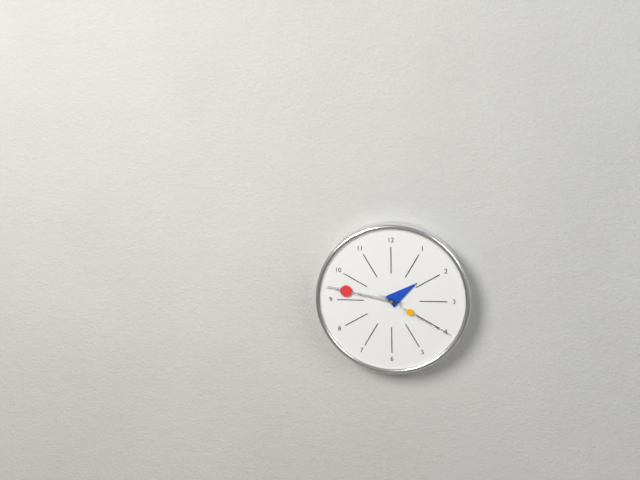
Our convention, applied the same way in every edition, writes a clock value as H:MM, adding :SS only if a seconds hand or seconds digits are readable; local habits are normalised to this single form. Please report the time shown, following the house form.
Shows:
1:47:20
